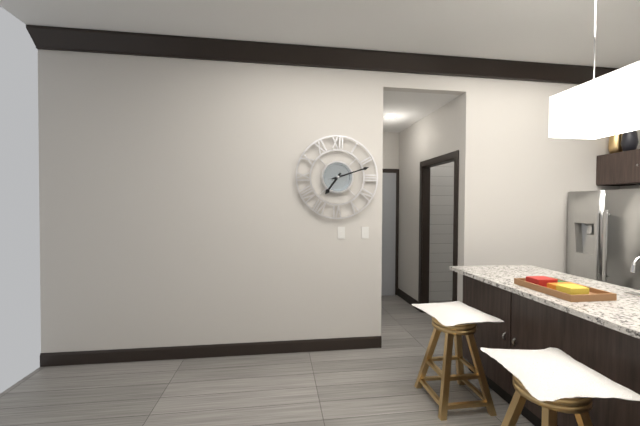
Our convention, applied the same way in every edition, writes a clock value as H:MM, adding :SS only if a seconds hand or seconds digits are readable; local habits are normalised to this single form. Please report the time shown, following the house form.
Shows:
7:12
